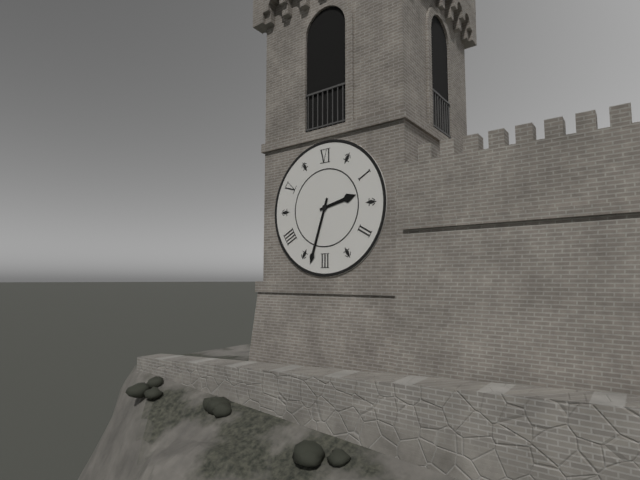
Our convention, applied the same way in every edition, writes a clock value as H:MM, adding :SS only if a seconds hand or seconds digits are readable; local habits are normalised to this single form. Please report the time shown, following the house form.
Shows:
2:33
